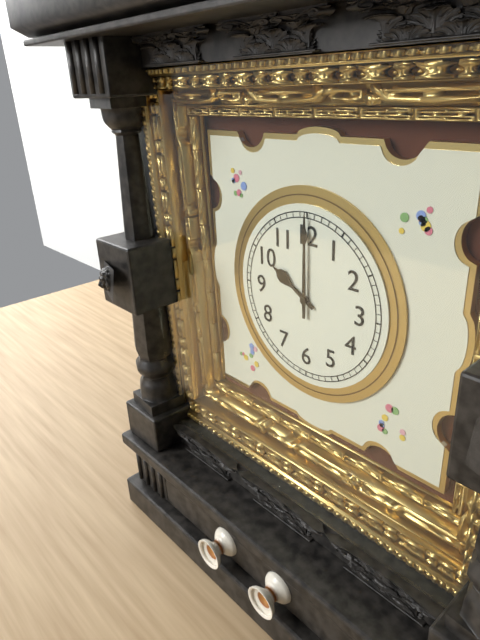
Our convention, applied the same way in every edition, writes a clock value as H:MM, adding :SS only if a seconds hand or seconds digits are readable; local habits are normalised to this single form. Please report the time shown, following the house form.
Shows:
10:00
